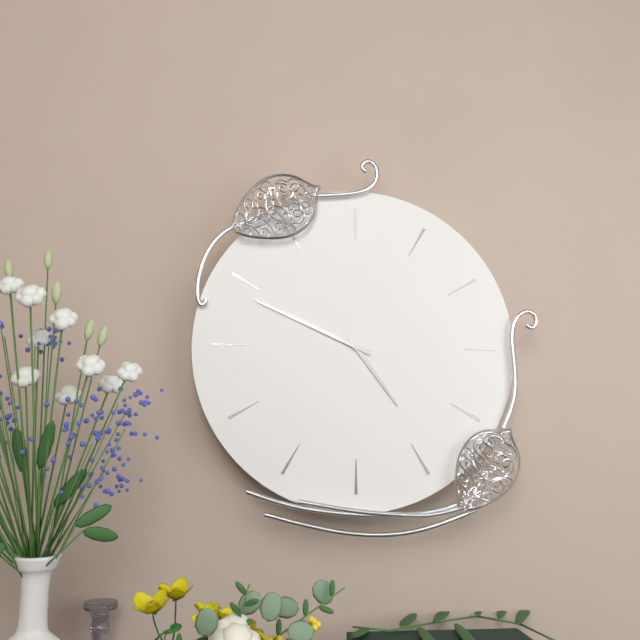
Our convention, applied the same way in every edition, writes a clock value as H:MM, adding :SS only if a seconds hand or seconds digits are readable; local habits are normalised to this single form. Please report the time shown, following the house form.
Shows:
4:49
